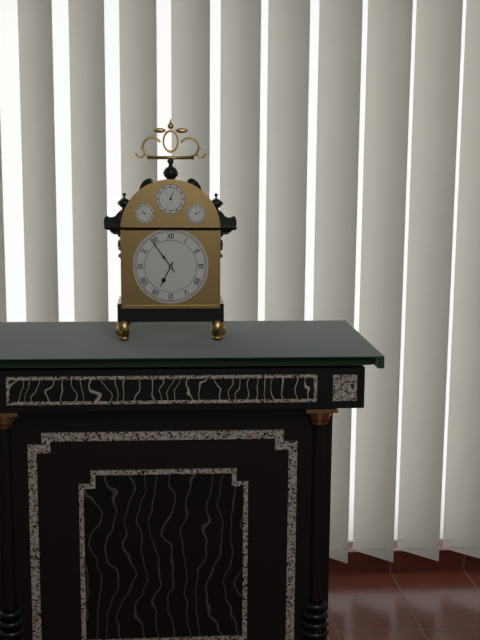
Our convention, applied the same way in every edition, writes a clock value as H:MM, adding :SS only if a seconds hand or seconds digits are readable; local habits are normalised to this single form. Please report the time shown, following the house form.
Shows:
6:54
